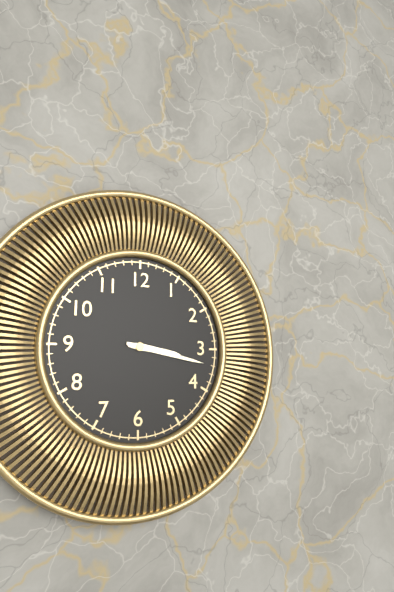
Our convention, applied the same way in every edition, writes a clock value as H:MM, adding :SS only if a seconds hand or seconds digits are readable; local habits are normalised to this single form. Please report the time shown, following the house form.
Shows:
3:17
